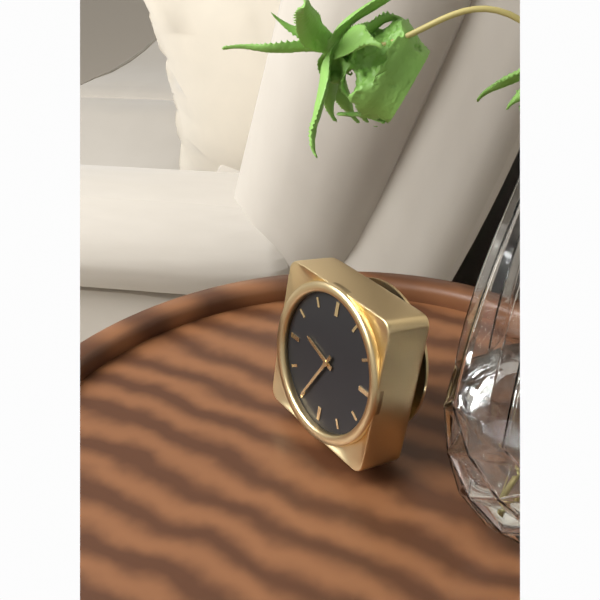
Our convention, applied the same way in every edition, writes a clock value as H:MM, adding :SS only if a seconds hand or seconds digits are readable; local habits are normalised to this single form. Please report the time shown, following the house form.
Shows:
9:35
